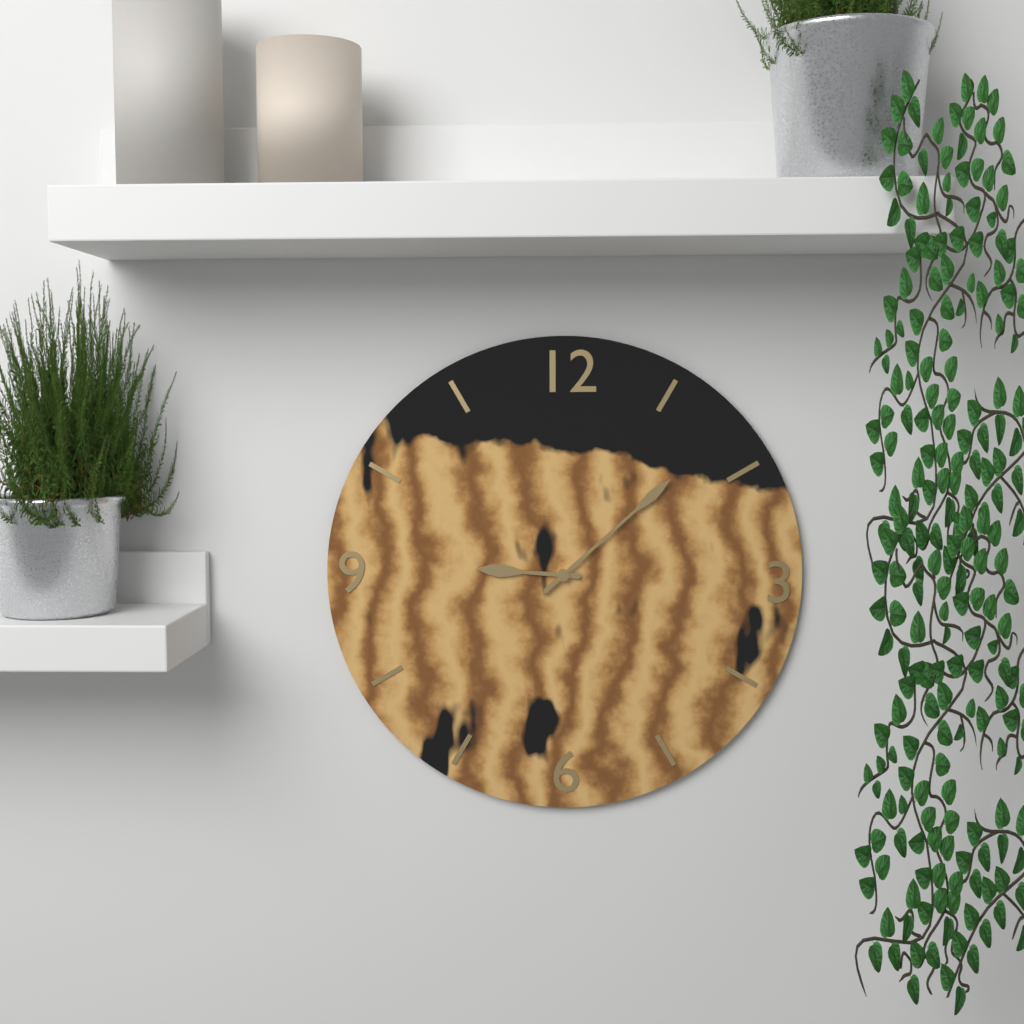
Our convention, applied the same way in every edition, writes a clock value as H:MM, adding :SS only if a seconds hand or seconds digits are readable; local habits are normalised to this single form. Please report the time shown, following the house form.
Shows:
9:08
